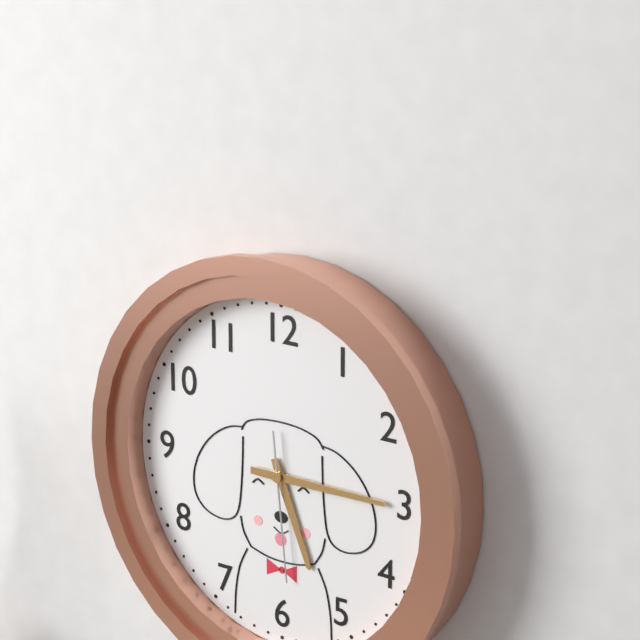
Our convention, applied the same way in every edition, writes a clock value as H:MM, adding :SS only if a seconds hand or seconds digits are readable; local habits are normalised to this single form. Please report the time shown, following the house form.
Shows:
5:15:29
